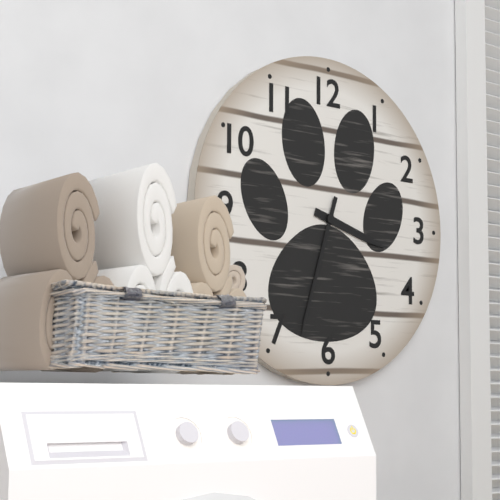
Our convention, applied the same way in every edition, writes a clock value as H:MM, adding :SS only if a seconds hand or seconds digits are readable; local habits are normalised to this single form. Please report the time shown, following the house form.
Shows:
3:33
